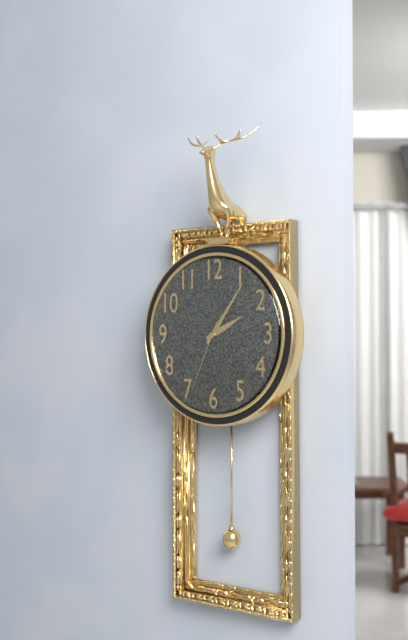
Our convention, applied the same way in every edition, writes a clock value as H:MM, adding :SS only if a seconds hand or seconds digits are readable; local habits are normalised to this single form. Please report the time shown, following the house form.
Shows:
2:06:34
